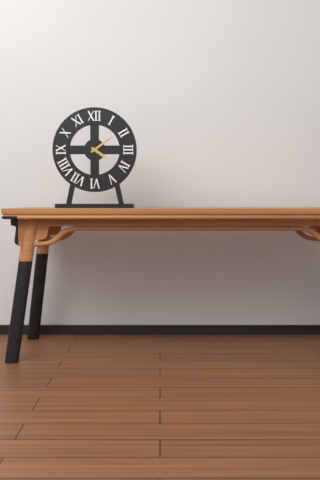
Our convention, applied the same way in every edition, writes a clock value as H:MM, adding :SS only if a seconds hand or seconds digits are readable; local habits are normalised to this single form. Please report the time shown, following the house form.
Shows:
4:09
